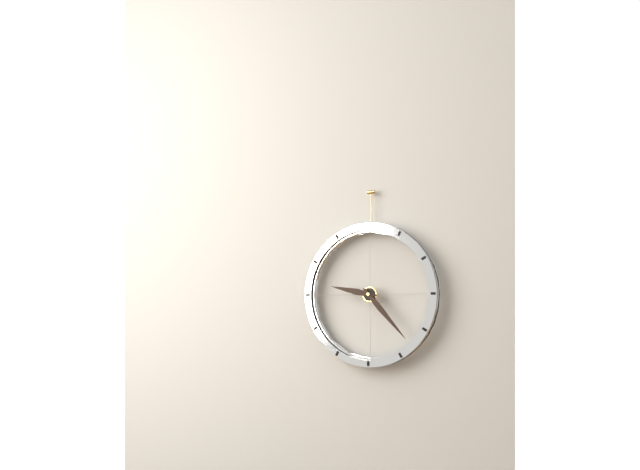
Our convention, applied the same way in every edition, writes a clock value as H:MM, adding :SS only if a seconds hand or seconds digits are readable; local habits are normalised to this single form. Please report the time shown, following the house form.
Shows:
9:23
